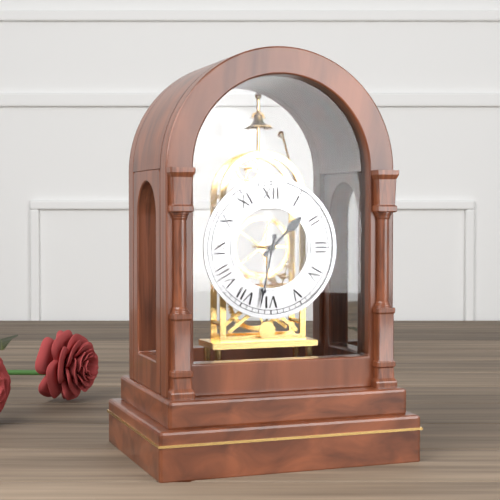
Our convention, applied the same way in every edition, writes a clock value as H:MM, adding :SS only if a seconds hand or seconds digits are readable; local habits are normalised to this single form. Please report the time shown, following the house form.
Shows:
1:32
